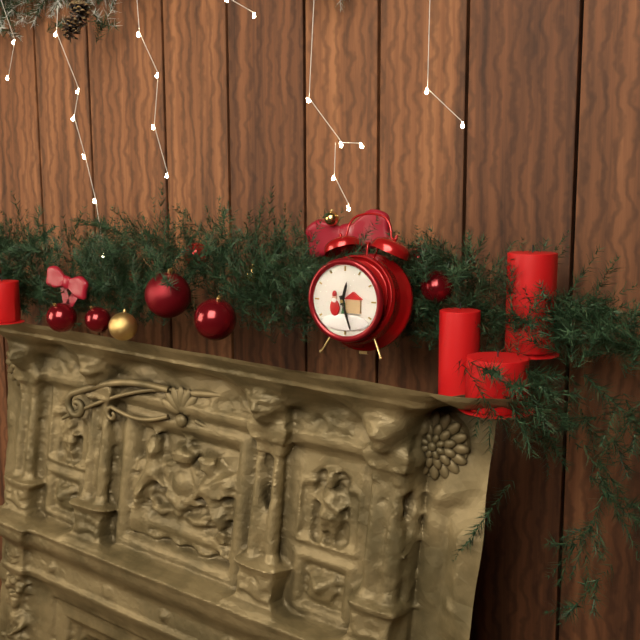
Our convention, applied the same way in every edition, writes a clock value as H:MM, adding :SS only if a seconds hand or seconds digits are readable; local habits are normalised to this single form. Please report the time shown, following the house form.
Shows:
12:27
